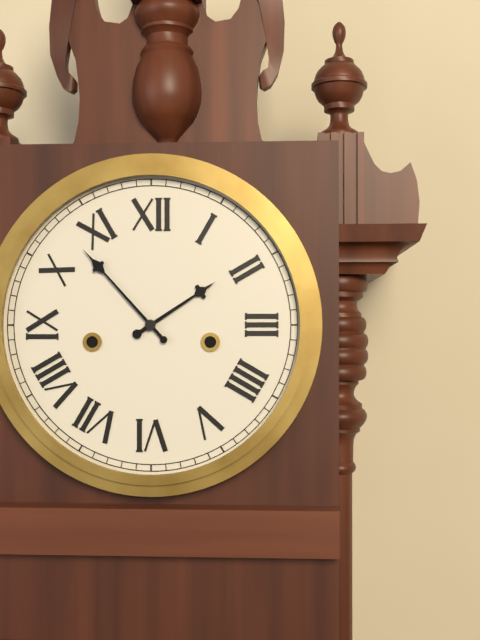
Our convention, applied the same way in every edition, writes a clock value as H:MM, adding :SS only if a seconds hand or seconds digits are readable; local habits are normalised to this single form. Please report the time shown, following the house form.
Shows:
1:53
